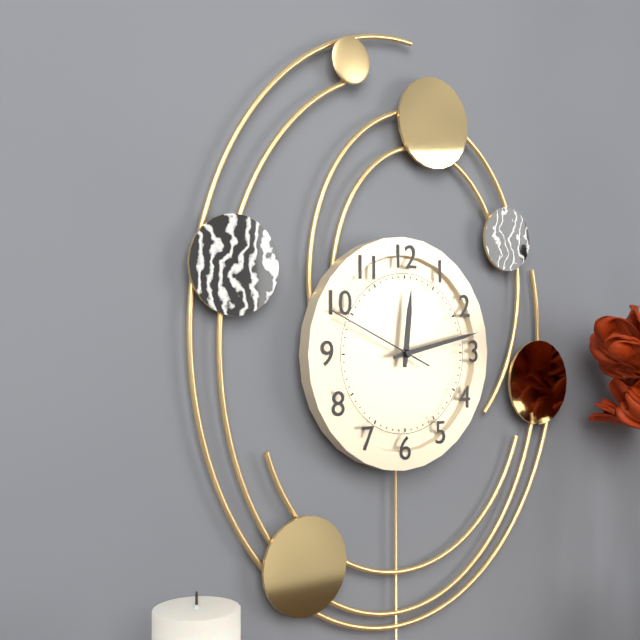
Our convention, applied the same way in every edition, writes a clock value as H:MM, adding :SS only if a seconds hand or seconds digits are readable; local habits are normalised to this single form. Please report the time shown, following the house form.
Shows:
12:13:49
